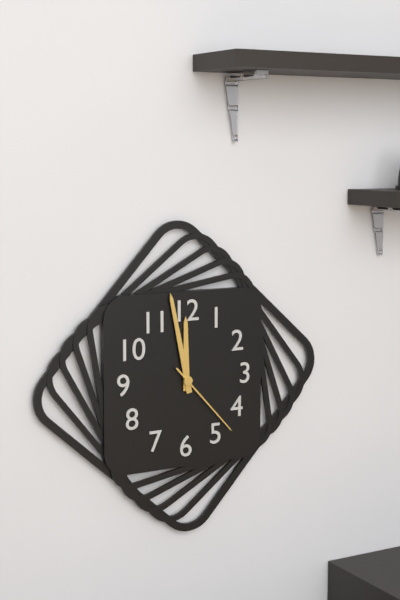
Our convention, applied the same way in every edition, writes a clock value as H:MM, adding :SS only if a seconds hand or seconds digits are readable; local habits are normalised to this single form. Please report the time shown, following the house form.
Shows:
11:58:23
